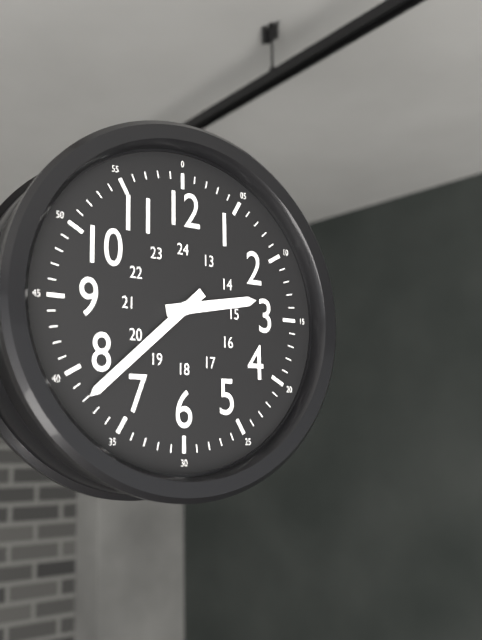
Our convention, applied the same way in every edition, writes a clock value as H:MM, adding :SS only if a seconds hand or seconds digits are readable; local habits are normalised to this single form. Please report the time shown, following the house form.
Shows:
2:38
